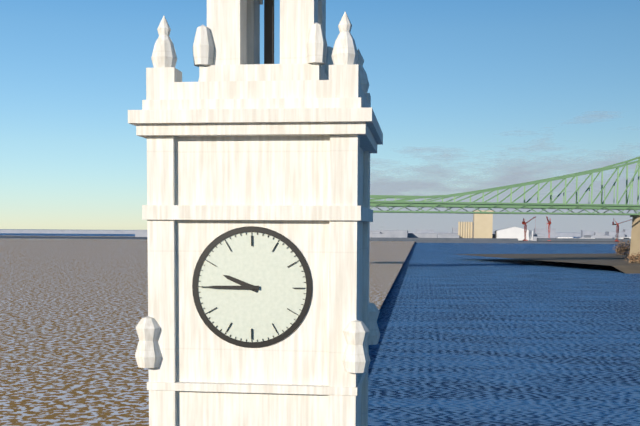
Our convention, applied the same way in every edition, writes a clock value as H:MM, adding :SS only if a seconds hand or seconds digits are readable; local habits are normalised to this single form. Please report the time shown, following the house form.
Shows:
9:45
